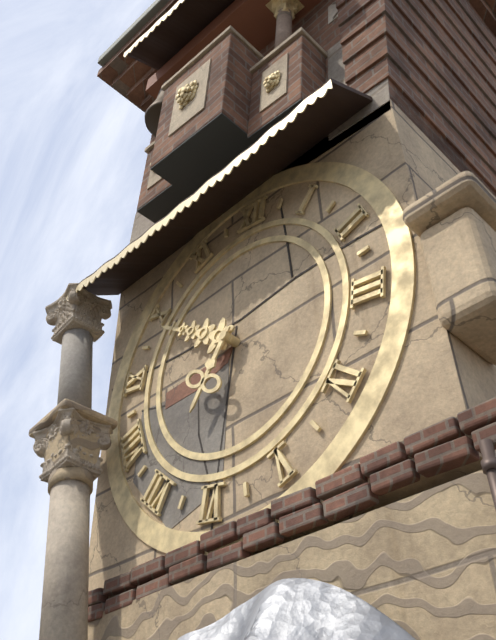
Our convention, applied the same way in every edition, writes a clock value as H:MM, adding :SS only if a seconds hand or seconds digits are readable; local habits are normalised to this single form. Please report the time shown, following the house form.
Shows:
6:49
